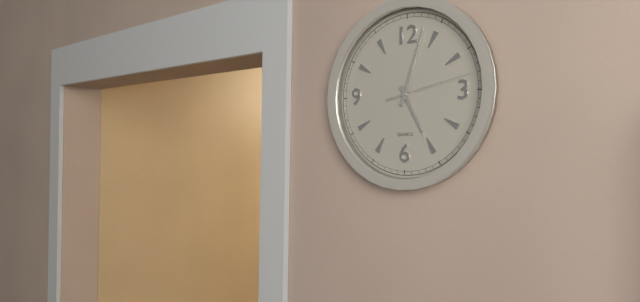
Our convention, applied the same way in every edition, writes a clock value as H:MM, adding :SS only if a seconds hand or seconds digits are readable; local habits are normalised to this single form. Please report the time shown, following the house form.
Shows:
5:03:13
